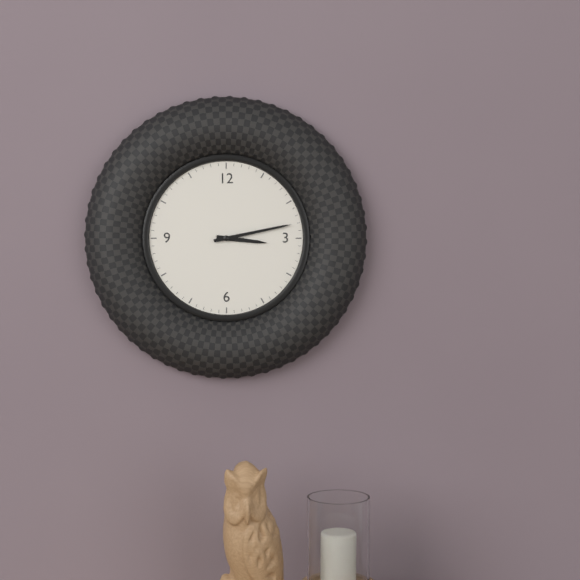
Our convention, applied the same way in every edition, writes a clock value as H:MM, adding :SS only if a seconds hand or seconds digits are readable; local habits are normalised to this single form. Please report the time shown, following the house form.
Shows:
3:13
